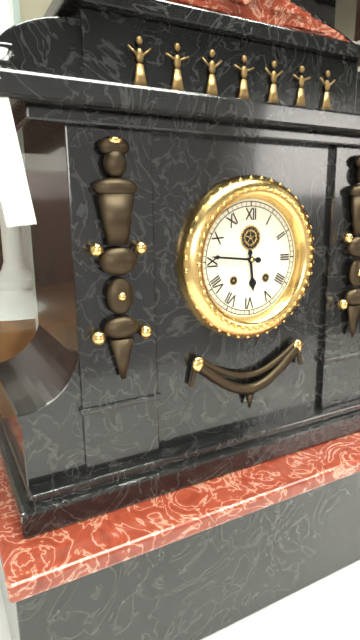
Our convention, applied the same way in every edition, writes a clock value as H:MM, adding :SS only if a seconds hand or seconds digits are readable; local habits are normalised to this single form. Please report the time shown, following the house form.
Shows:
5:46
